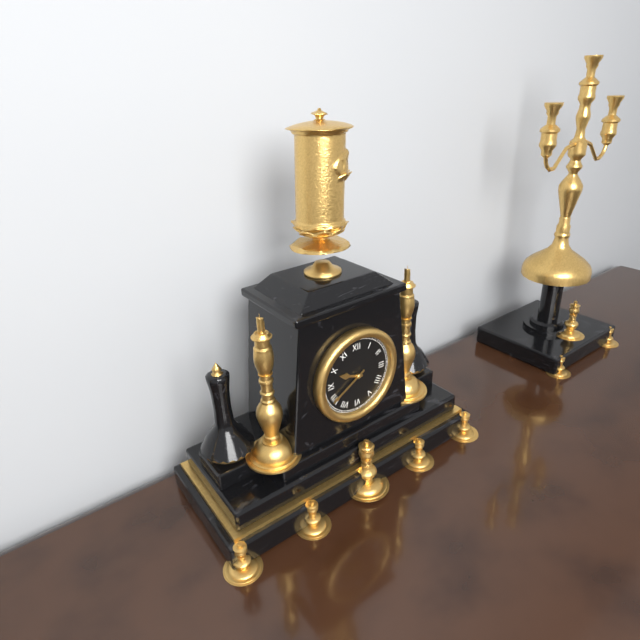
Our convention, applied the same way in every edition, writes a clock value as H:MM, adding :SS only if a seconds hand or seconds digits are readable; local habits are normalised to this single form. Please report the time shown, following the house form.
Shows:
9:40
